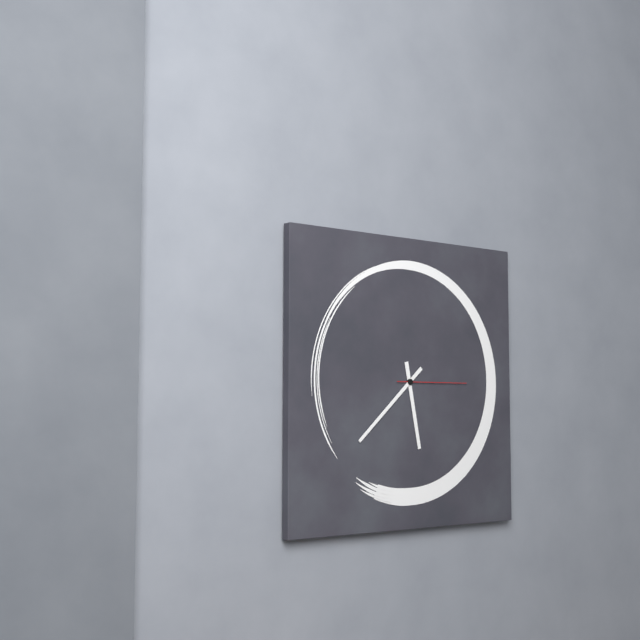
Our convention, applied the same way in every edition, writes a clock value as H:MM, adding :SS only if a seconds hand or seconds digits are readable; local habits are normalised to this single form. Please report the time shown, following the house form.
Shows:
5:38:15
